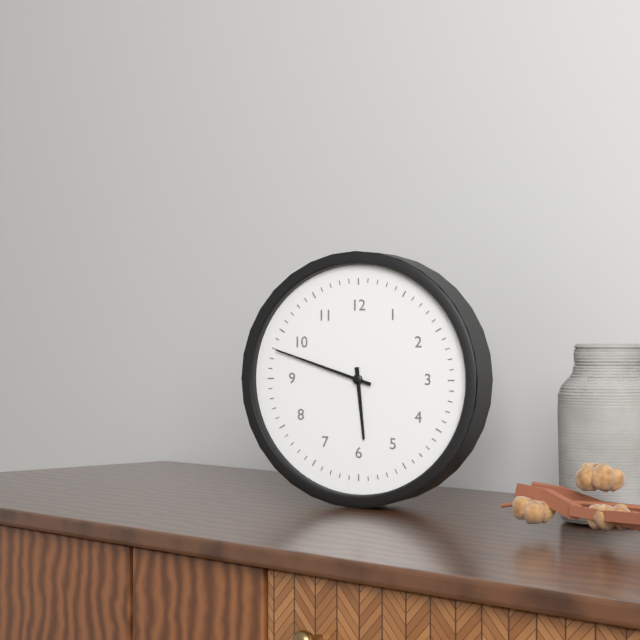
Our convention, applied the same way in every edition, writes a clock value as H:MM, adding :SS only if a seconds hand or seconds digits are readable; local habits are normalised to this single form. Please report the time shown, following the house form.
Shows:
5:48
